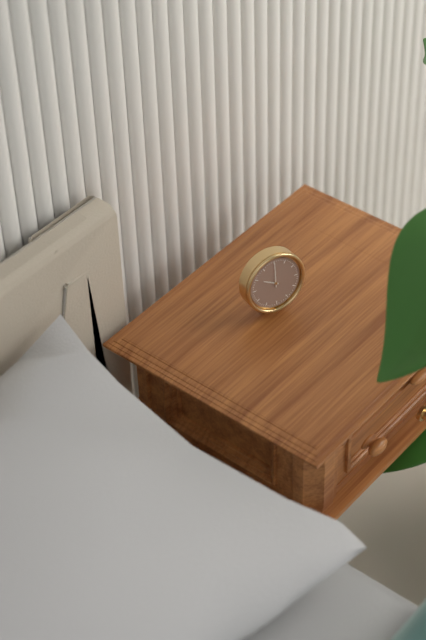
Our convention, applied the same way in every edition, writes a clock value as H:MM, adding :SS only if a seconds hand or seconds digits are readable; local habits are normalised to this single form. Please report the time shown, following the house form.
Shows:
10:00
